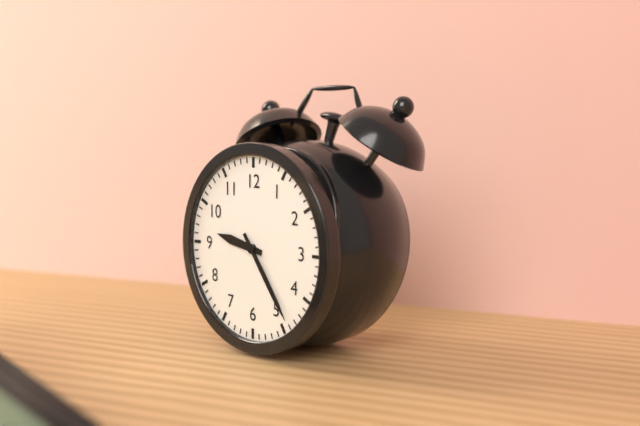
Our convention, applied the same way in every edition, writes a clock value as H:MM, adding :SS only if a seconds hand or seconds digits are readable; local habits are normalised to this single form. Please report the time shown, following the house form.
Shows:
9:24
